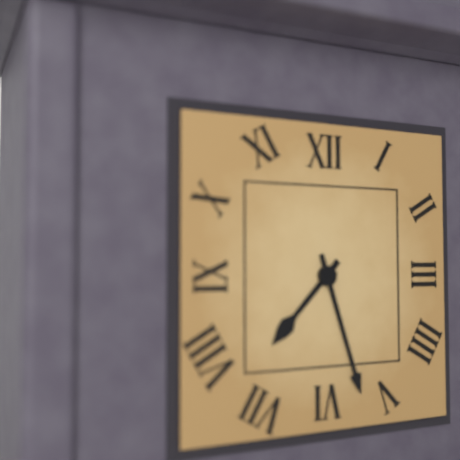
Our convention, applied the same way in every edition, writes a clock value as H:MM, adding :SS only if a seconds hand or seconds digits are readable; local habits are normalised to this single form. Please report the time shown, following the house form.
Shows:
7:27
